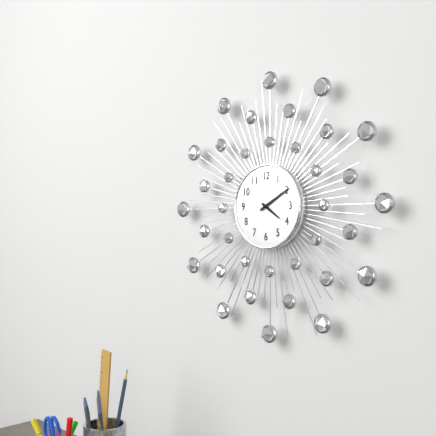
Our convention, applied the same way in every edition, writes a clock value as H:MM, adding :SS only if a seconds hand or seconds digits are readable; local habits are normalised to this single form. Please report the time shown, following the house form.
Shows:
4:10
